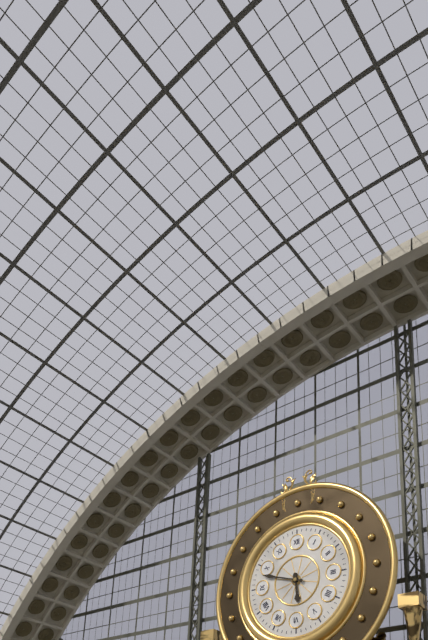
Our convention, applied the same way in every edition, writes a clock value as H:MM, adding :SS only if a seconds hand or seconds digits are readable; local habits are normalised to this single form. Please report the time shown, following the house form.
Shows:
5:48
